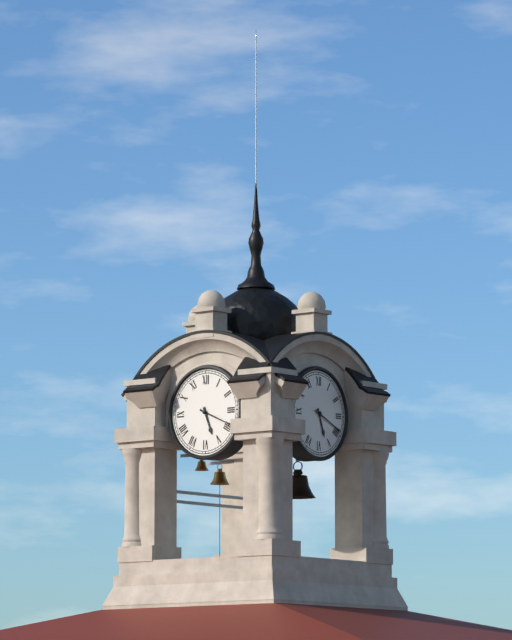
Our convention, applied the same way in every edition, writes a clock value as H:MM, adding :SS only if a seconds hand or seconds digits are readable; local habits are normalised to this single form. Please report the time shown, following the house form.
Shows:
5:19
